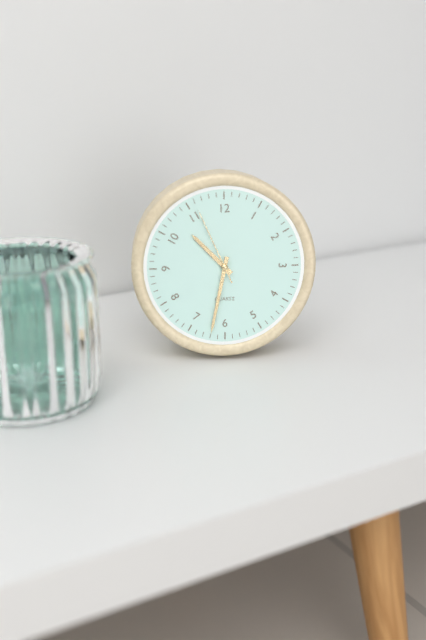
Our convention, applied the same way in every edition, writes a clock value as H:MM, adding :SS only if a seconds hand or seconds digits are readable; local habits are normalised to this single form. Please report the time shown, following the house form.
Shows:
10:32:56
